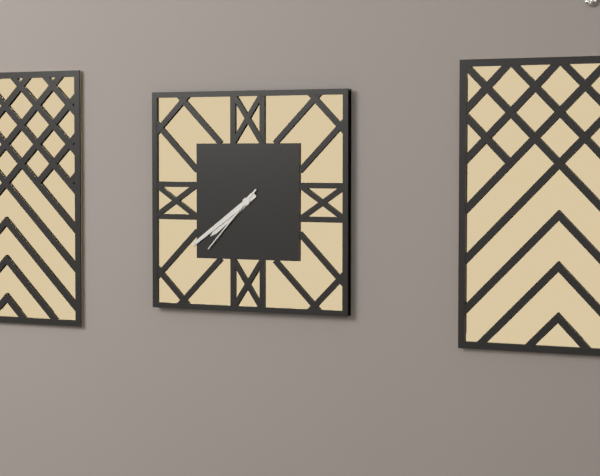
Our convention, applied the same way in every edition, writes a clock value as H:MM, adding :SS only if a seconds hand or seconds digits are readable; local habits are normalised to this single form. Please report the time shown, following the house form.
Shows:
7:39:37
